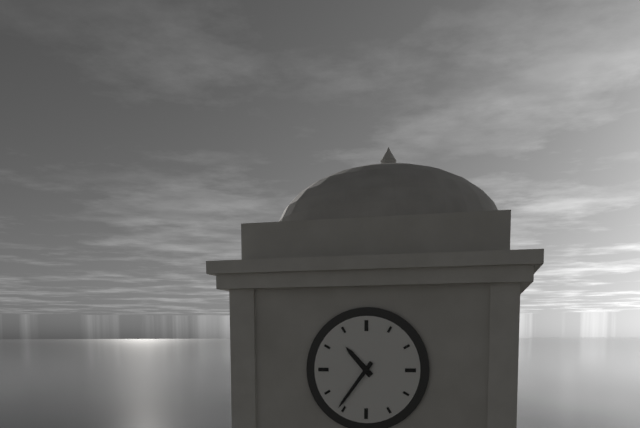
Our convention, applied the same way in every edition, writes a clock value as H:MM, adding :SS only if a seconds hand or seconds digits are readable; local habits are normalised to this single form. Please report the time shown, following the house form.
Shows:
10:36
